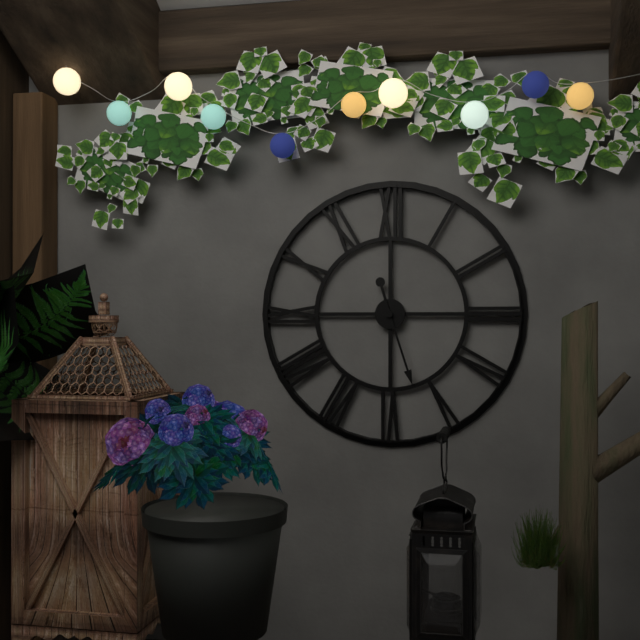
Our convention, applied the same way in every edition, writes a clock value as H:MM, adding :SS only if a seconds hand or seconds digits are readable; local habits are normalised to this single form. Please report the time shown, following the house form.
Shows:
11:27
